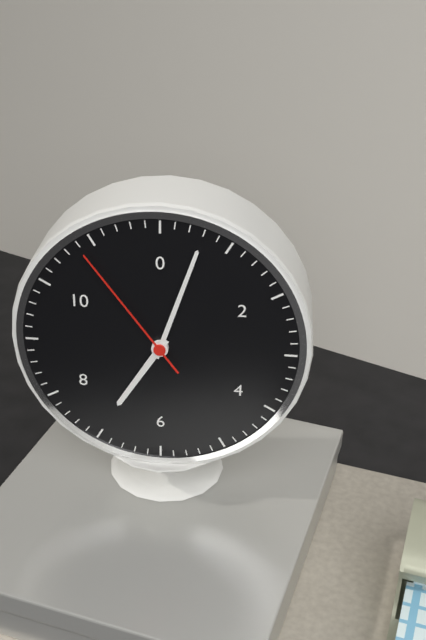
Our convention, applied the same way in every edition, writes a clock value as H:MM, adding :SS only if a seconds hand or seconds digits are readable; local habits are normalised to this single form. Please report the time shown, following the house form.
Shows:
7:03:54
